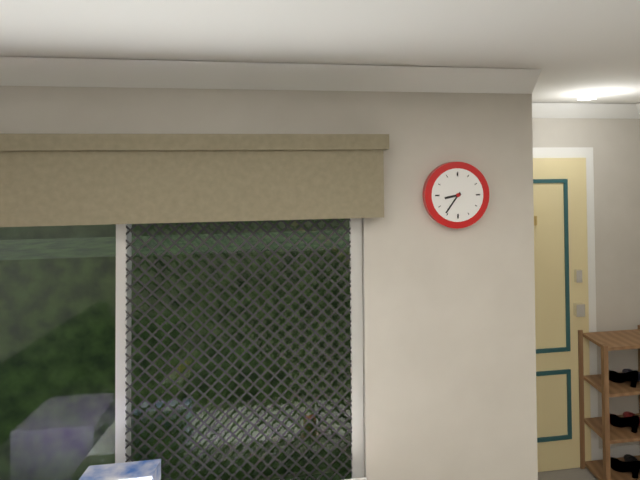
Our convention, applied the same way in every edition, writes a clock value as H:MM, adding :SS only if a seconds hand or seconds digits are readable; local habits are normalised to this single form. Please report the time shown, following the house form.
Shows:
8:36
